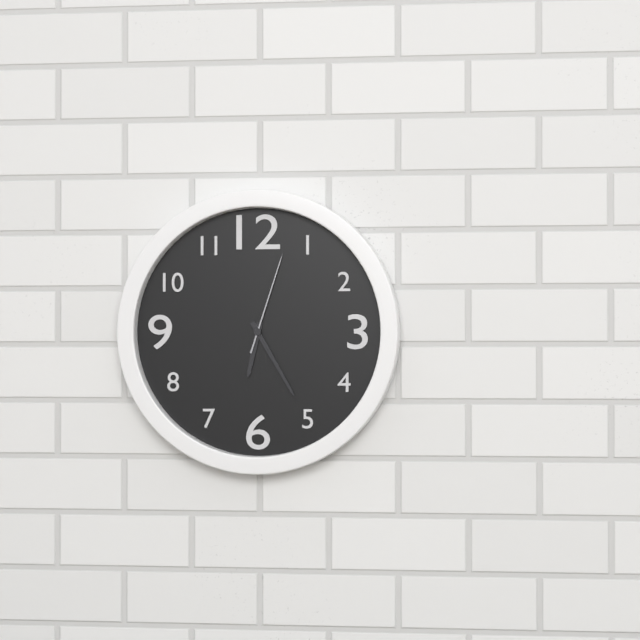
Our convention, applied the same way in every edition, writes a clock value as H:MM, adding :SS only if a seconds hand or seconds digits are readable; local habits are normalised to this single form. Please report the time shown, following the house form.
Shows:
6:25:03
